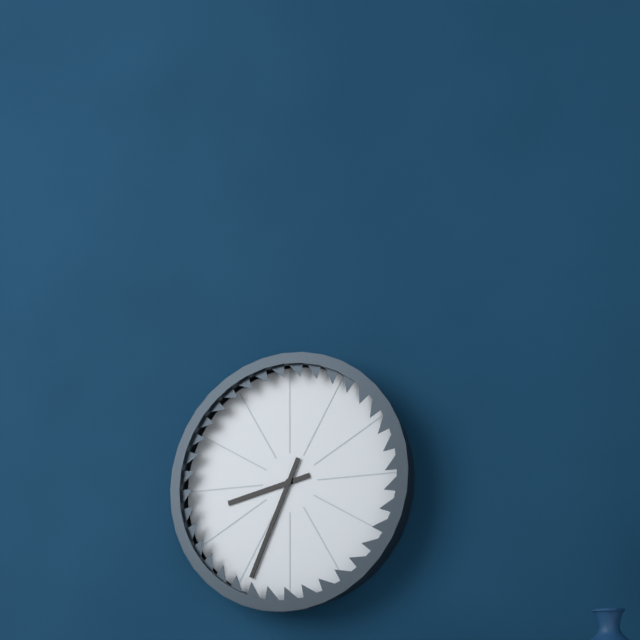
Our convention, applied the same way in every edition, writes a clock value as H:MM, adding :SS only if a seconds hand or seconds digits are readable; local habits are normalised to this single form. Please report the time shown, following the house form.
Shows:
8:34
